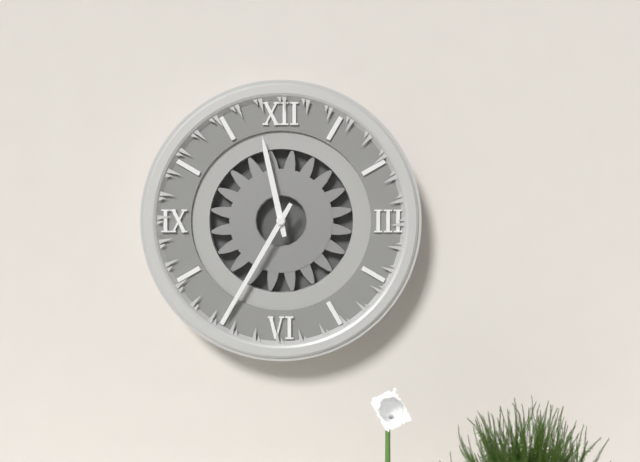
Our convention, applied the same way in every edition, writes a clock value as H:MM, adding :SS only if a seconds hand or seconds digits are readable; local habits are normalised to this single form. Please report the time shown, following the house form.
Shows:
11:35
